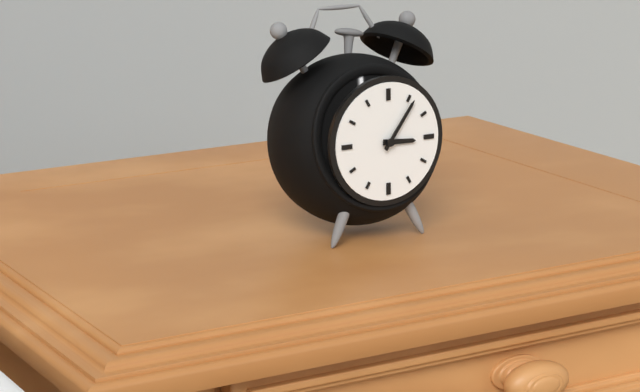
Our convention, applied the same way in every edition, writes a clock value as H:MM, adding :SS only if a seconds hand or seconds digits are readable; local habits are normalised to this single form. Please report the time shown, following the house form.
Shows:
3:06
